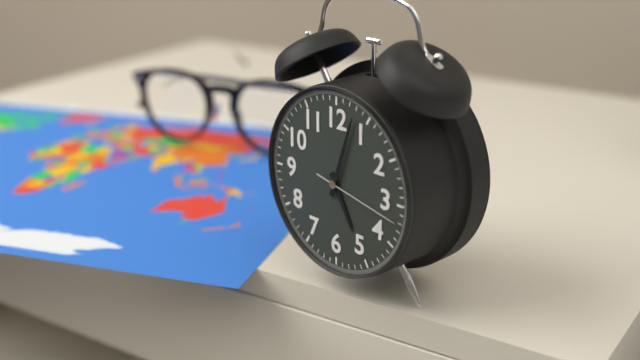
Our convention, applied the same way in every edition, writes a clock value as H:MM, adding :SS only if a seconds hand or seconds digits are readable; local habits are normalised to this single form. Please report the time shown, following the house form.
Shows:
5:03:17
